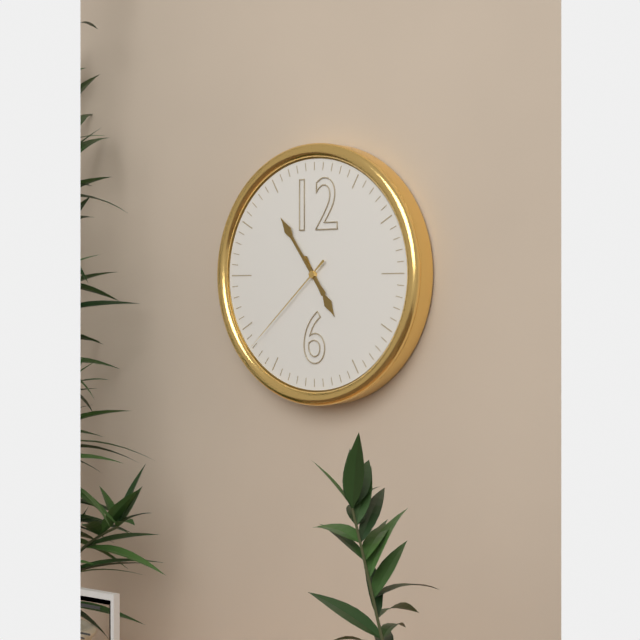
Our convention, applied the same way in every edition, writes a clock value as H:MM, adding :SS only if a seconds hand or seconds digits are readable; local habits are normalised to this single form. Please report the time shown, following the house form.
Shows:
4:54:38
